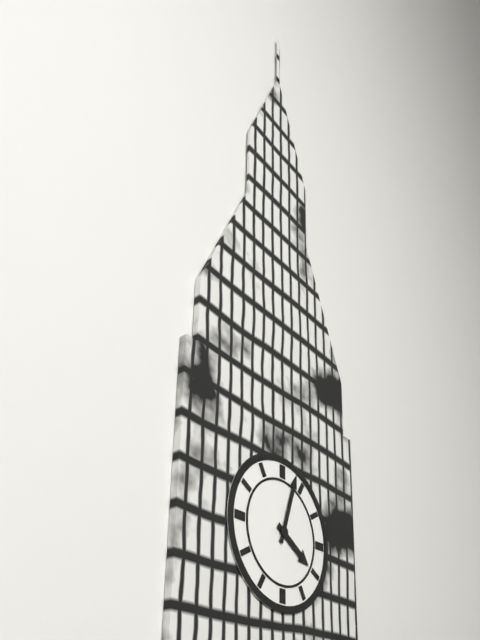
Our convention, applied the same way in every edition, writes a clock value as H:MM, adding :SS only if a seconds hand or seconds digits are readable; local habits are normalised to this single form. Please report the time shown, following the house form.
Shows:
4:03
